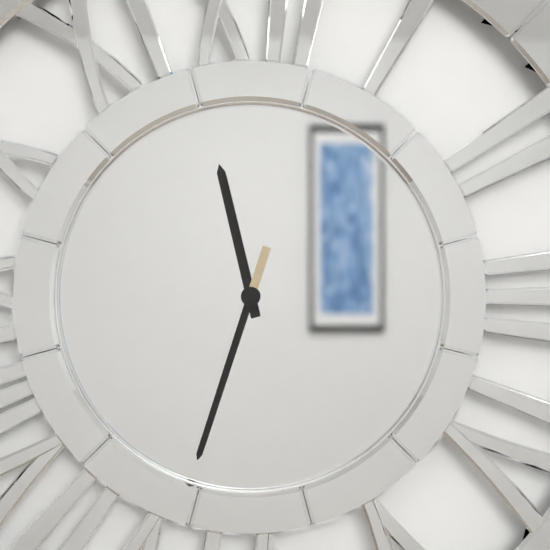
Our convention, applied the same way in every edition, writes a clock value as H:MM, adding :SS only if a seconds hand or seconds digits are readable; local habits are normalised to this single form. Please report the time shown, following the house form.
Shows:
11:33
